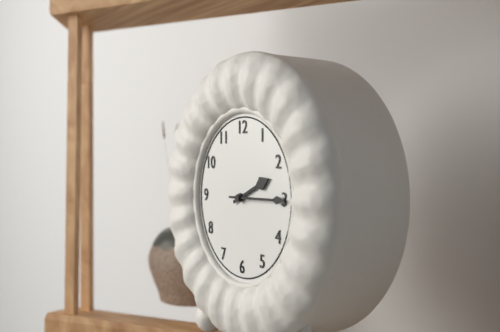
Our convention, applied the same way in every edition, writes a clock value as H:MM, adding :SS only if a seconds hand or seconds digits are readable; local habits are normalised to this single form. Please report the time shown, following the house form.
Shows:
2:15
